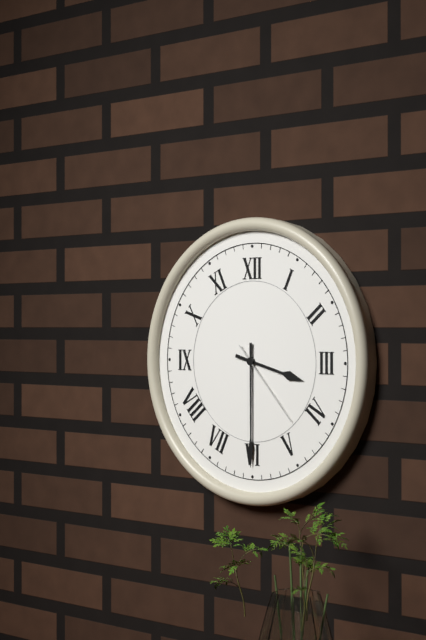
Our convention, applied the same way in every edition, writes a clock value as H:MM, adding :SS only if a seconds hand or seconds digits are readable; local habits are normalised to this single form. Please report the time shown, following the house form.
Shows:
3:30:23
